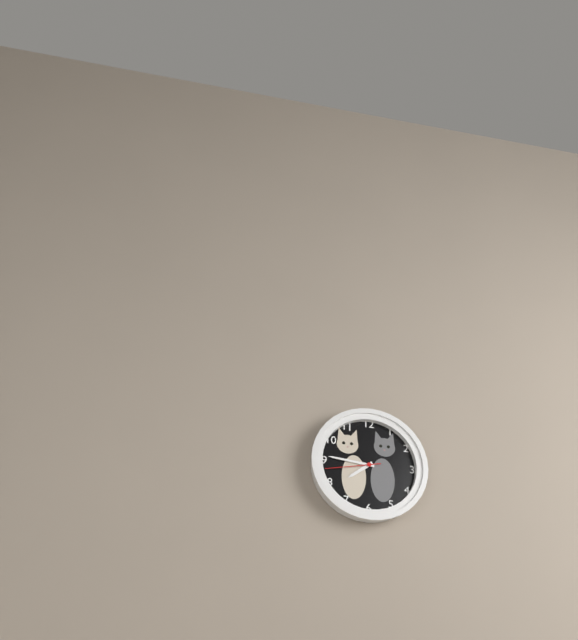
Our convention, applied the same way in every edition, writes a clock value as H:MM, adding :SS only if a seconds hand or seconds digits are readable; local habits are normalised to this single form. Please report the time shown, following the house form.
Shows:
7:46:43
